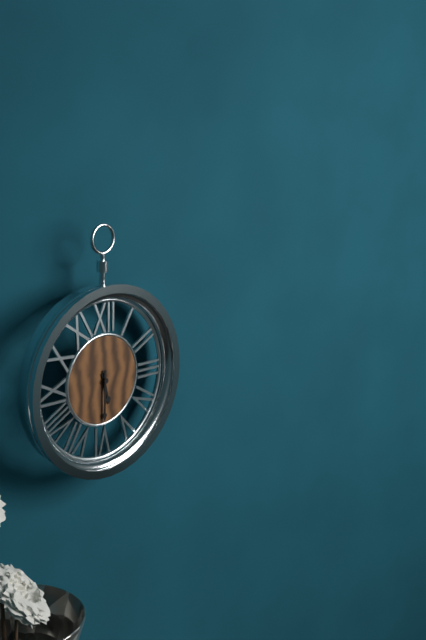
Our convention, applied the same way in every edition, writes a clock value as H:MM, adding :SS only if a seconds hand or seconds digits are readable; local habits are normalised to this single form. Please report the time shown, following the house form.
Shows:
5:30
